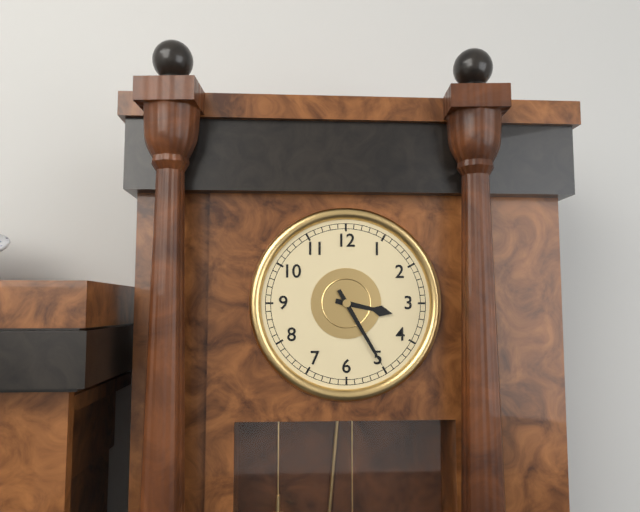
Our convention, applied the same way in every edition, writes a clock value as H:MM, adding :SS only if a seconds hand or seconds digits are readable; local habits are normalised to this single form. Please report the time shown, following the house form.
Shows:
3:25
